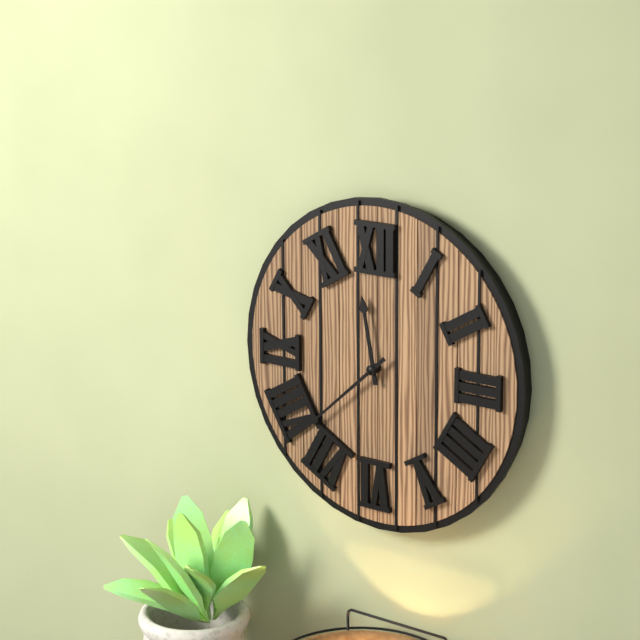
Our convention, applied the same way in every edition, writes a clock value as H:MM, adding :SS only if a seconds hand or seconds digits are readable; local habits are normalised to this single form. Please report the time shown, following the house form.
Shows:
11:38
